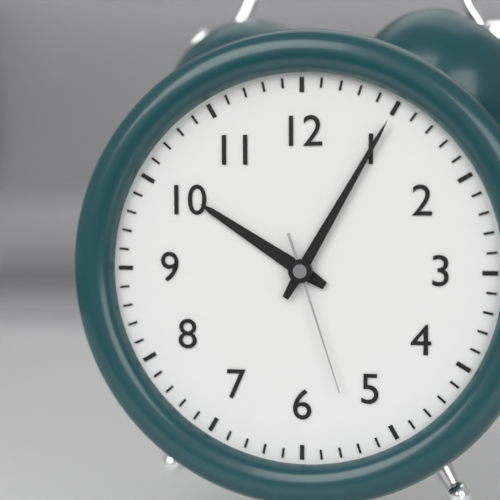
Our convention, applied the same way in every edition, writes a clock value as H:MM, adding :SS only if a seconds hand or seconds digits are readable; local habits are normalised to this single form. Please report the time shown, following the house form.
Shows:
10:05:27
